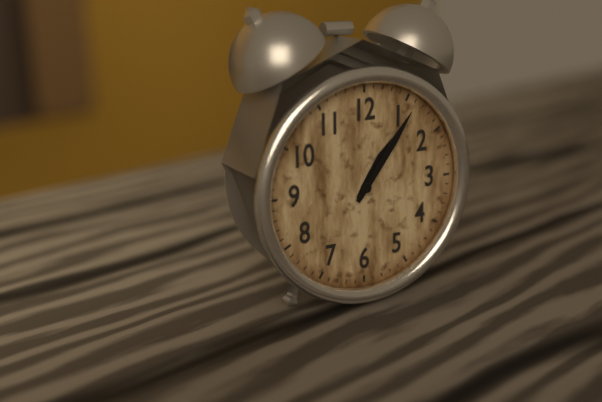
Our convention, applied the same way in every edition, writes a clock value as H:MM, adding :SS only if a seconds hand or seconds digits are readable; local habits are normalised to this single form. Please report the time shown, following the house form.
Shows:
1:06
